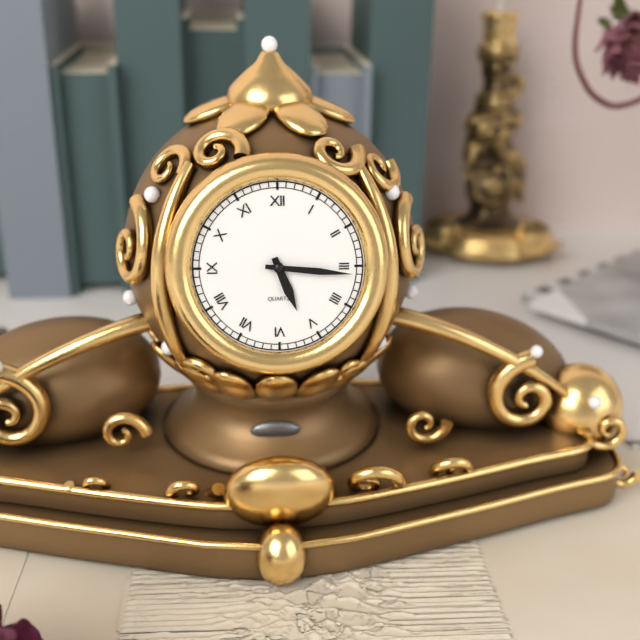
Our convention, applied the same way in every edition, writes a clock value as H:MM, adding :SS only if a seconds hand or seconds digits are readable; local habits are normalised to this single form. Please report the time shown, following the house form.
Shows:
5:16
